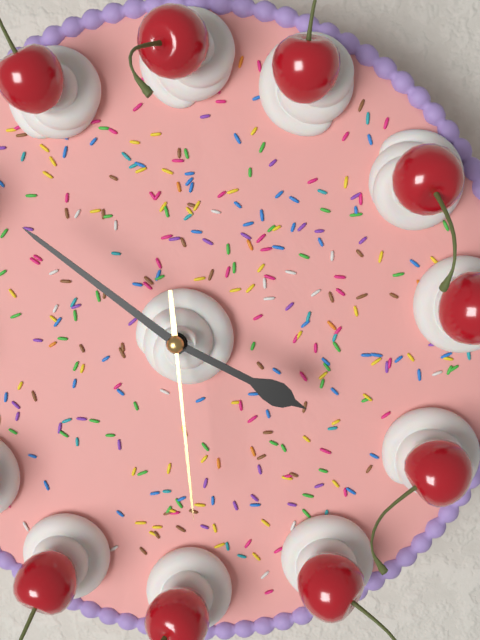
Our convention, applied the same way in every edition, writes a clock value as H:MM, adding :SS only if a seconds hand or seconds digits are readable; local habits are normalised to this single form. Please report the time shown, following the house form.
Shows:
3:51:29
